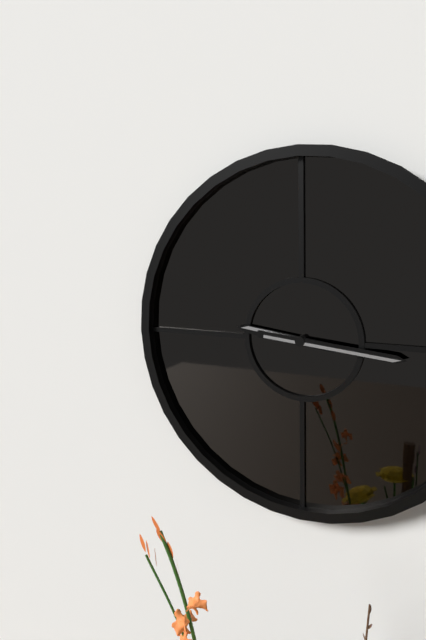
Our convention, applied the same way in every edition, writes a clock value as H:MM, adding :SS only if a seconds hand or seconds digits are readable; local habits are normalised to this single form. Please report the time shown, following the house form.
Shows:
9:16
